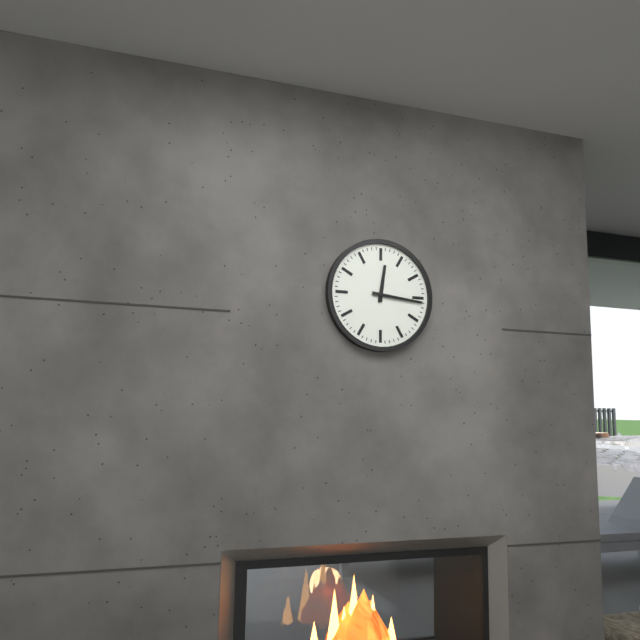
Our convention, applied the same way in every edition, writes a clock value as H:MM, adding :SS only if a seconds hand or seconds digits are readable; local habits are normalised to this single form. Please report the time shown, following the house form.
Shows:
12:16
